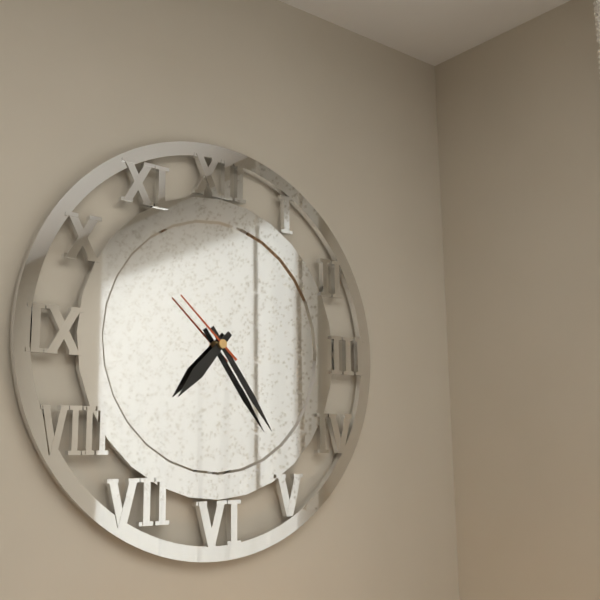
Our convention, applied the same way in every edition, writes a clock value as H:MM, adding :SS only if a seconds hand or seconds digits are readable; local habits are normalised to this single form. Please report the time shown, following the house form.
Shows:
7:24:52
